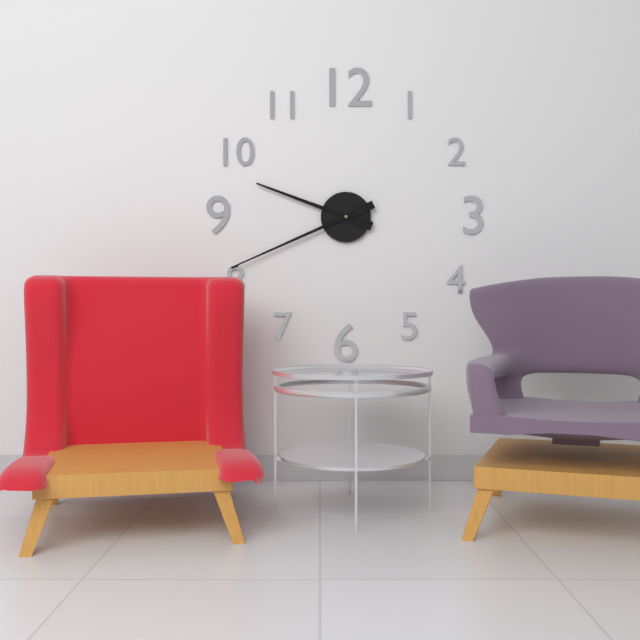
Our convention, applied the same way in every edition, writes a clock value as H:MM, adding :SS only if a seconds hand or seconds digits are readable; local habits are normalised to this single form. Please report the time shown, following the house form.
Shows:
9:41
